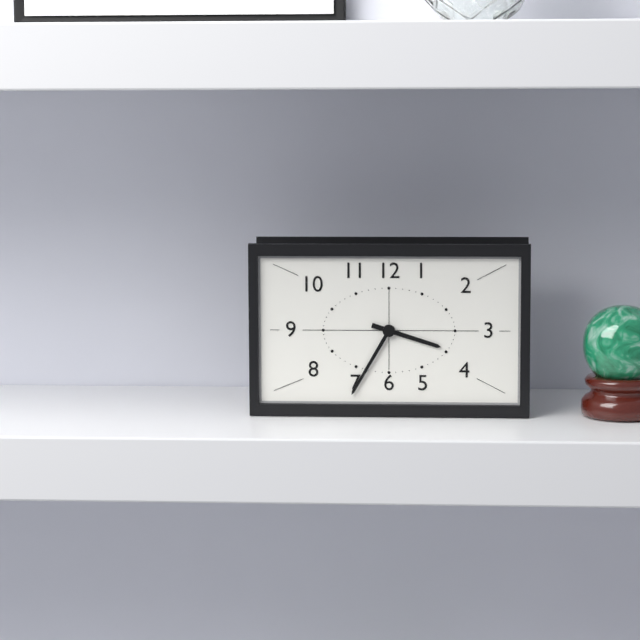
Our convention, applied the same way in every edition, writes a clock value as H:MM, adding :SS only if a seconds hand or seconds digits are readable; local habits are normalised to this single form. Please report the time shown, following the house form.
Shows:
3:35
